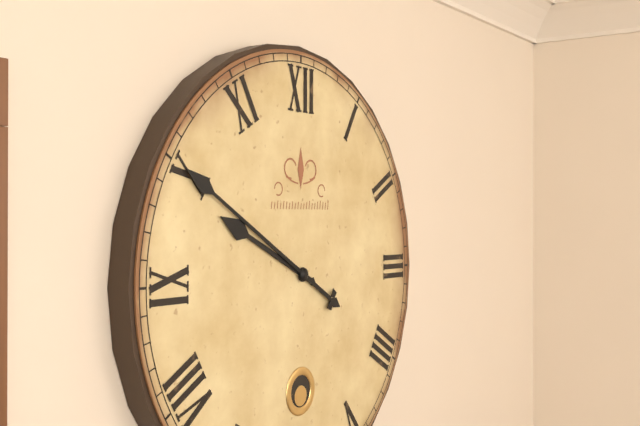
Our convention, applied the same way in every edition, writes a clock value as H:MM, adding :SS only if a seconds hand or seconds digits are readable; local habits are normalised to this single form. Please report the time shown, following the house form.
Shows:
9:50
